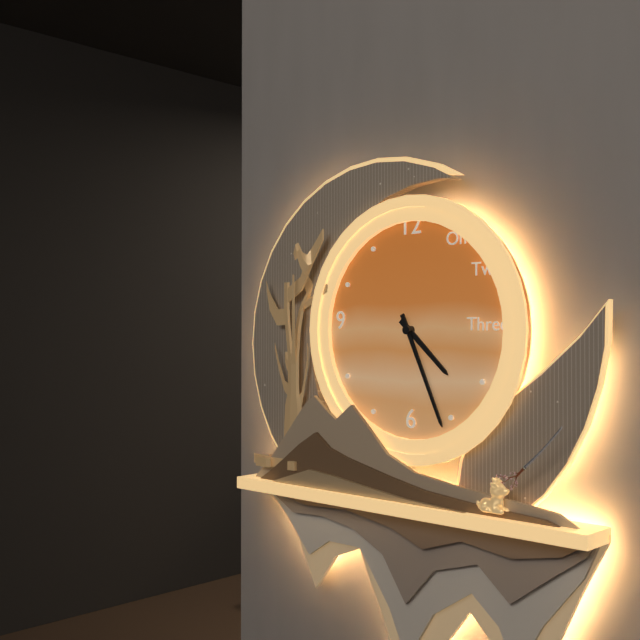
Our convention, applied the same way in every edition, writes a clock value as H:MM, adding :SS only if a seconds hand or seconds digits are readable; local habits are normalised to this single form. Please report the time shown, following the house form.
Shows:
4:26
